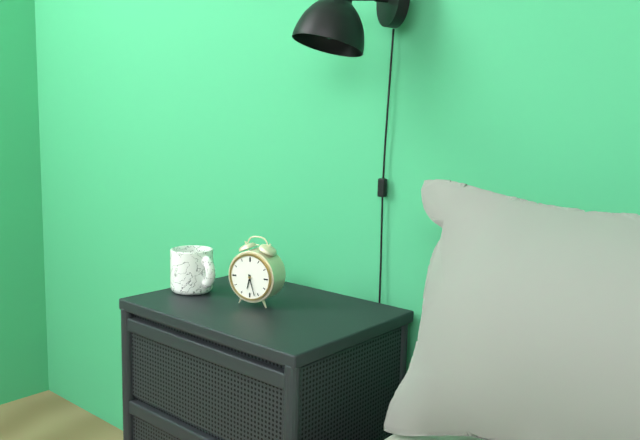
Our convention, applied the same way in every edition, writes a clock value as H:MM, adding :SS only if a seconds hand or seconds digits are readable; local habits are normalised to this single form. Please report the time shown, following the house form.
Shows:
6:27
